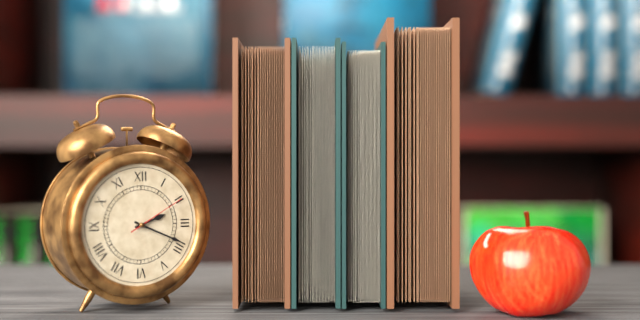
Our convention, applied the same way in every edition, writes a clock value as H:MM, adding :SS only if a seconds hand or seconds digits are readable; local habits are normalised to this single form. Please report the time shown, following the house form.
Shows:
2:19:10
